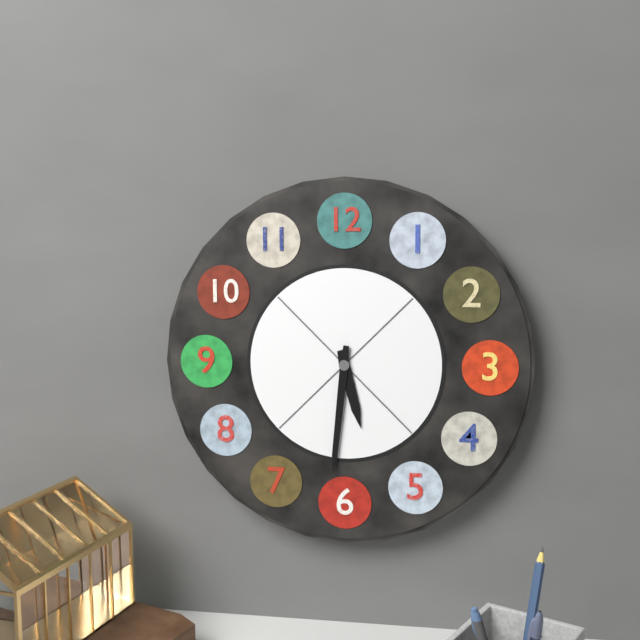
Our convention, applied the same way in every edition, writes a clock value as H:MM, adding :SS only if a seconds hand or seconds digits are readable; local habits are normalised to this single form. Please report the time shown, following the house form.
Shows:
5:31
